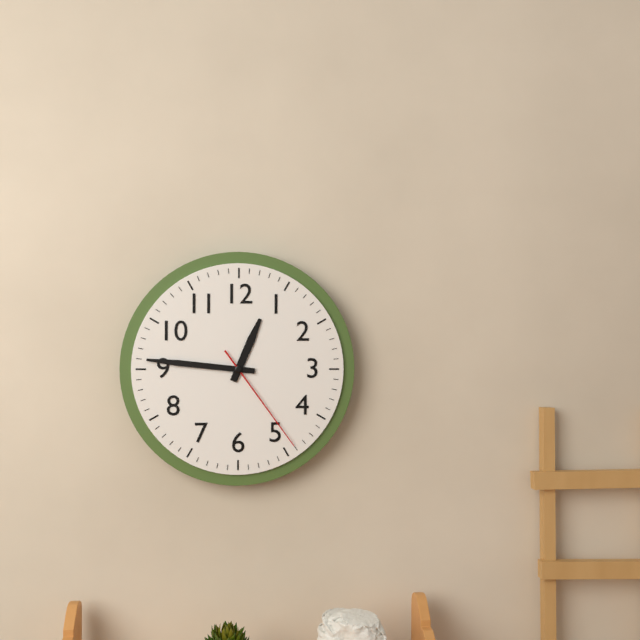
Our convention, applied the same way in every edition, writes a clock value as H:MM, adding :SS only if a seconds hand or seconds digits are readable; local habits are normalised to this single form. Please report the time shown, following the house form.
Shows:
12:46:24
